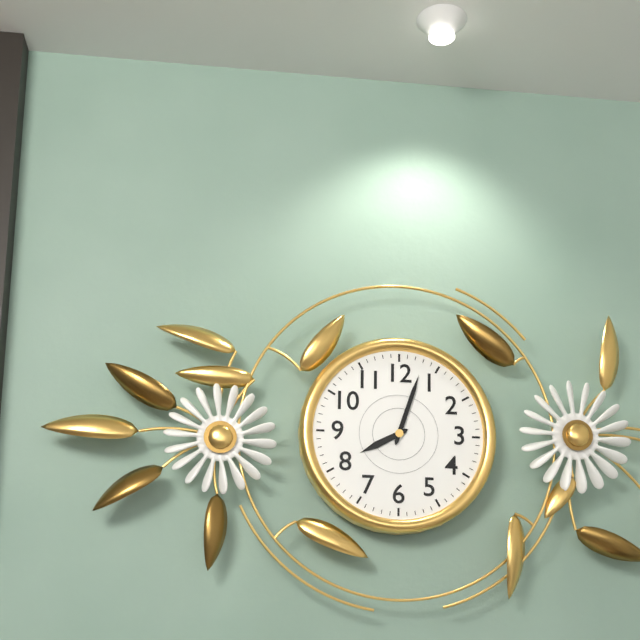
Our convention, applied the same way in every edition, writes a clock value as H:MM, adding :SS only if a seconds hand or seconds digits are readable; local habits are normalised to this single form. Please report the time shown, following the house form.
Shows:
8:03
